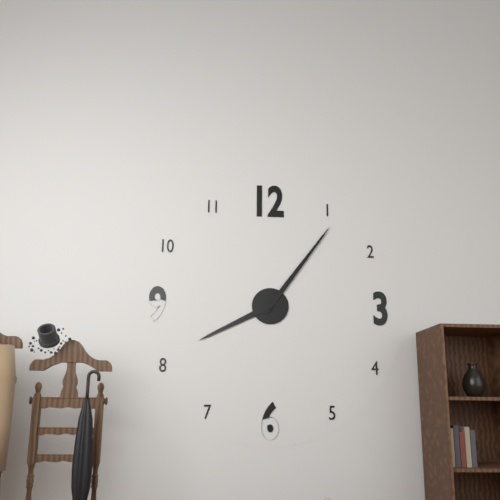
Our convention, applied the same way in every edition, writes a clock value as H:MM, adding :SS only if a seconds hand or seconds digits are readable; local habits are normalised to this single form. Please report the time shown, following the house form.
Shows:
8:06
